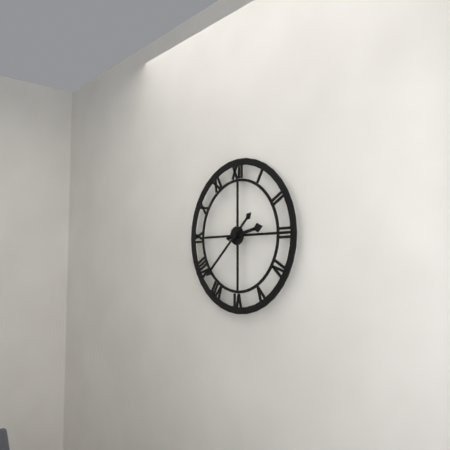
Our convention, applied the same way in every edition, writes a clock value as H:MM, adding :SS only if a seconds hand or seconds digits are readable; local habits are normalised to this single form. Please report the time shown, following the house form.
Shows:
2:38
